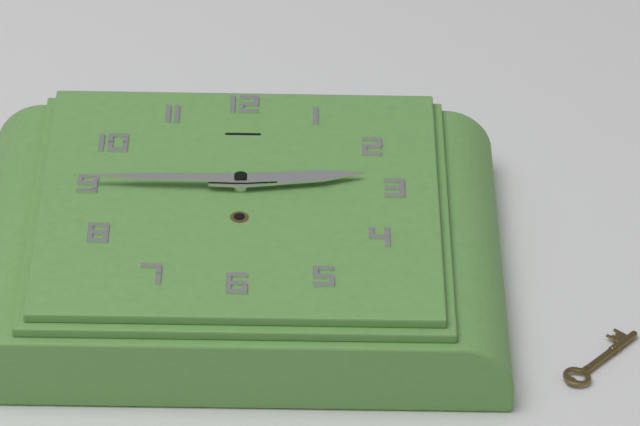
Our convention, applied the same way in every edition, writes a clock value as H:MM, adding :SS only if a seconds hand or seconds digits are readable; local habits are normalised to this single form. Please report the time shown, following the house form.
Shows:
2:45
